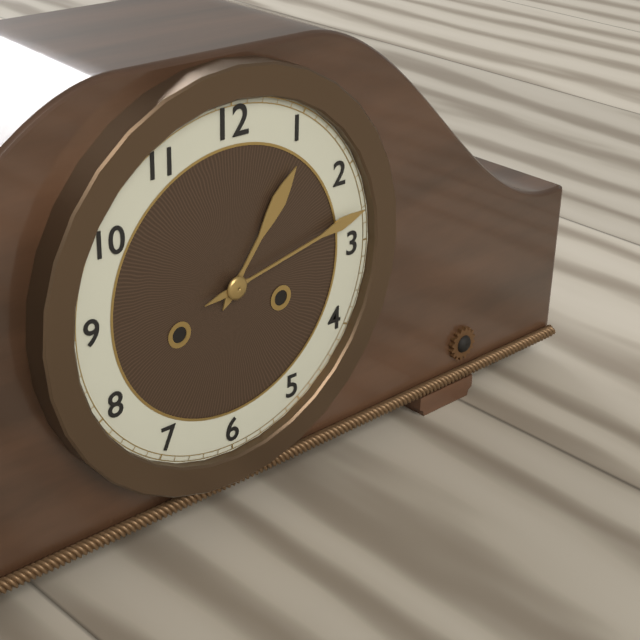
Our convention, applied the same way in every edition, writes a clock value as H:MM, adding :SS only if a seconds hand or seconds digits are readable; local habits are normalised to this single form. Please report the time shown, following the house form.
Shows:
1:13
